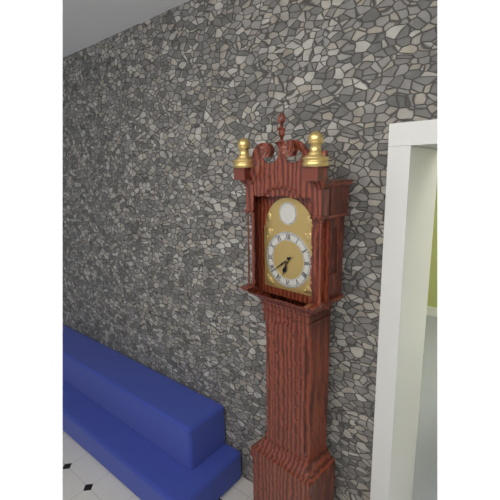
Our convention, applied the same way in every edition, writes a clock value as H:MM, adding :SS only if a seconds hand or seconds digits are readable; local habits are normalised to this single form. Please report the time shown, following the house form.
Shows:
6:39
